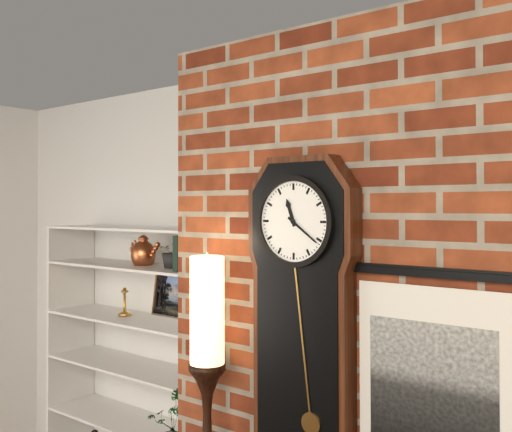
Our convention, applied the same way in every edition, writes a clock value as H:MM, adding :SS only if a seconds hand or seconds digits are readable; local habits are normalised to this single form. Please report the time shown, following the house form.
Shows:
11:21
